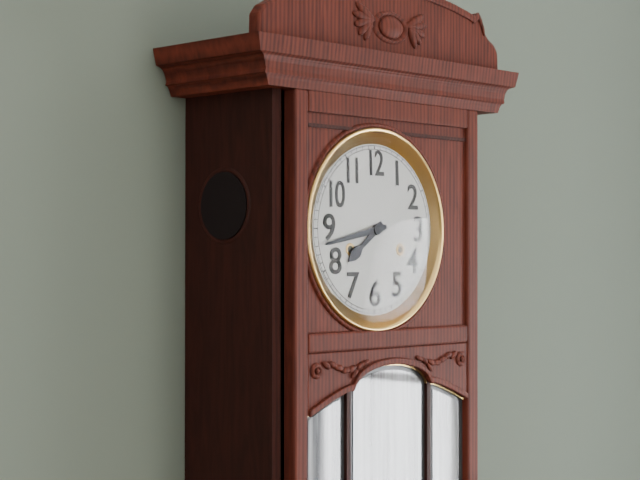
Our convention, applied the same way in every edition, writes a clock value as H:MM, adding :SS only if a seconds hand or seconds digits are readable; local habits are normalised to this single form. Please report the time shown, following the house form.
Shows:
7:43
